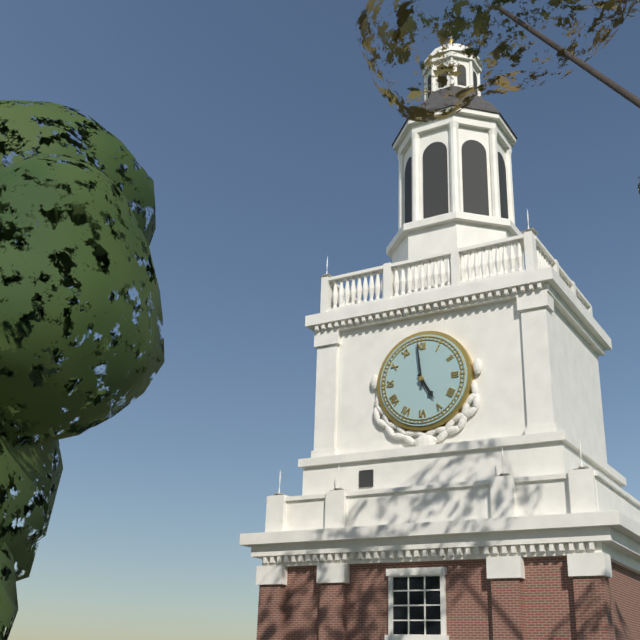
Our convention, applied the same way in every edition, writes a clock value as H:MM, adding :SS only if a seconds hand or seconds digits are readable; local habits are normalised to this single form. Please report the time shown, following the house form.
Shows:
4:59
